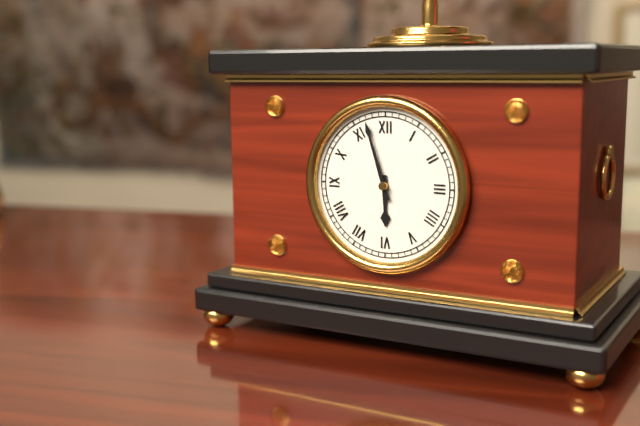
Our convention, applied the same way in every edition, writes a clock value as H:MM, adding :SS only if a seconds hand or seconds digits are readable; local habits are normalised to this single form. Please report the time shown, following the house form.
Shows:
5:57
